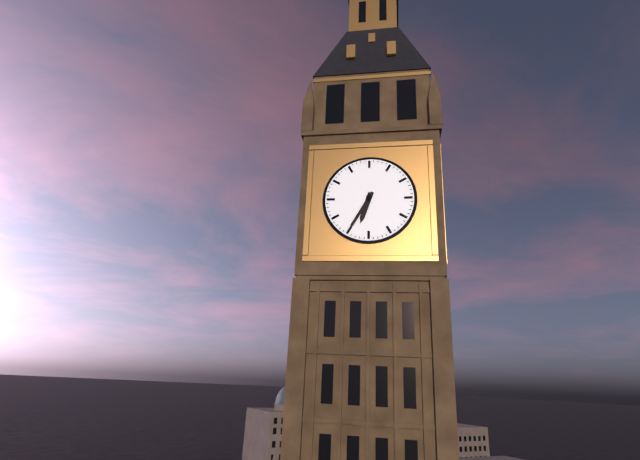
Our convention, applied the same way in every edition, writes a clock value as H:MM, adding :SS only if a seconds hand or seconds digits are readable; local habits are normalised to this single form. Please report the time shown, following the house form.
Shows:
6:35
